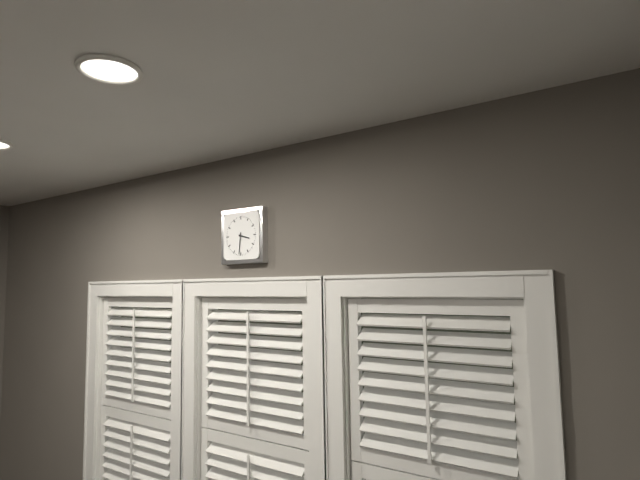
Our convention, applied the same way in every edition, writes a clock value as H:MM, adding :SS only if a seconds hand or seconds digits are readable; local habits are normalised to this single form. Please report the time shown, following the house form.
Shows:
3:31
